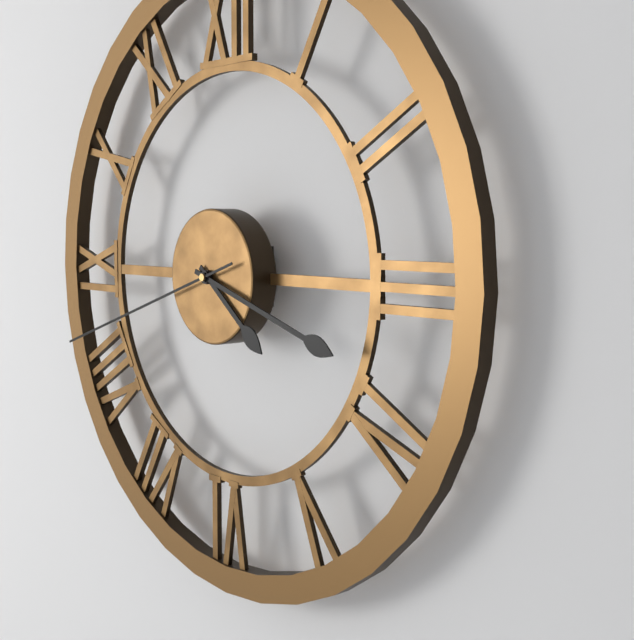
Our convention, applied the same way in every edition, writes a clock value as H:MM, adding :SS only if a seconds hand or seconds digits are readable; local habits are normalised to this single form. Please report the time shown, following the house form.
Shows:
4:18:42
